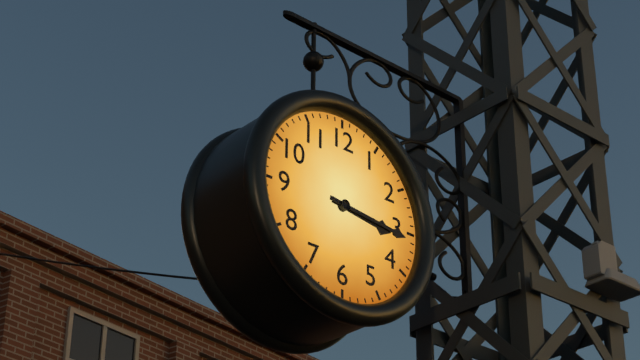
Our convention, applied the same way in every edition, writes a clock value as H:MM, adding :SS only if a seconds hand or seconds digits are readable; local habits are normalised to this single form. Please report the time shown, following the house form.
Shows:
3:16
